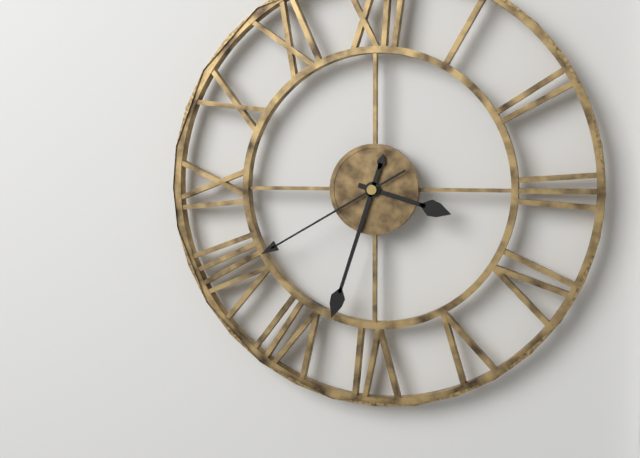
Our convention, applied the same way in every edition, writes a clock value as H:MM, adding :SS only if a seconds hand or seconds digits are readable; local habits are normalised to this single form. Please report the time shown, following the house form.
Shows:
3:33:40
